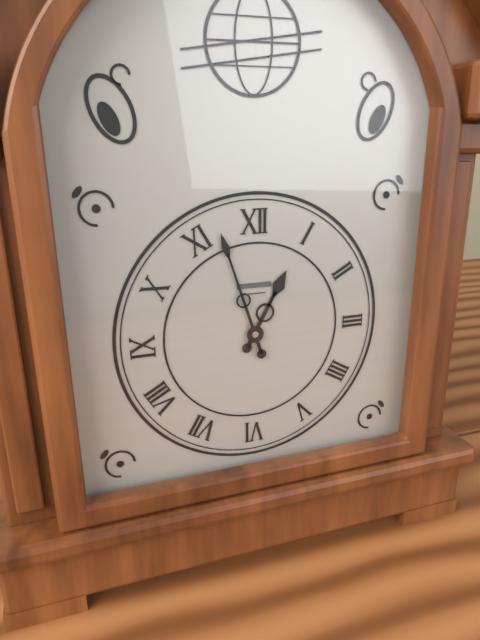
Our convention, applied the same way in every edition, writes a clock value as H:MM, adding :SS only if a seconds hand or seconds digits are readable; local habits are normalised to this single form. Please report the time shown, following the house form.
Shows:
12:57
